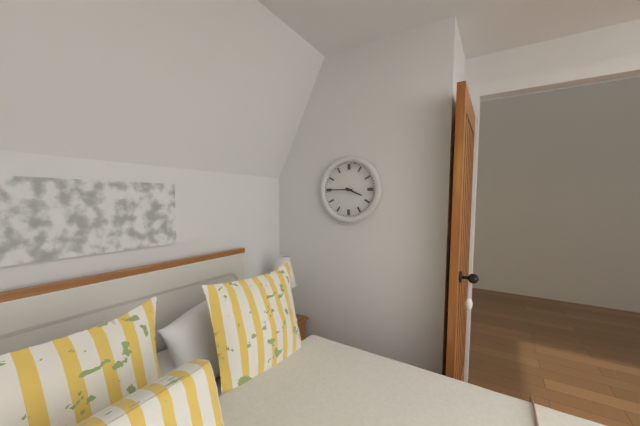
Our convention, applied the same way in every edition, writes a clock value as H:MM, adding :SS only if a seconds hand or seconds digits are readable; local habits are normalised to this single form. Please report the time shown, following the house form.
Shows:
3:45
